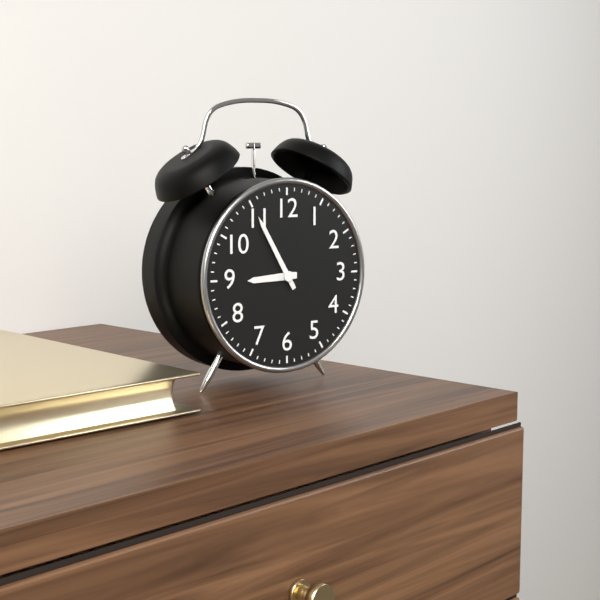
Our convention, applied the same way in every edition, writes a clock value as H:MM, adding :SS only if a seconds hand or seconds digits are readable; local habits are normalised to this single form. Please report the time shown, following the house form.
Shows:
8:55
